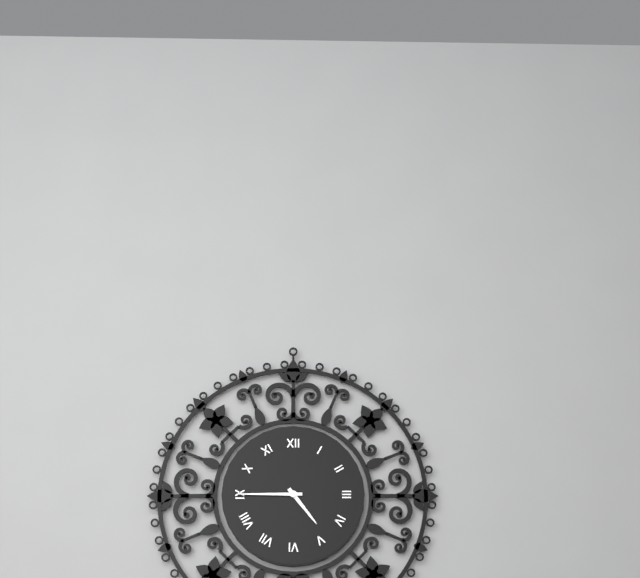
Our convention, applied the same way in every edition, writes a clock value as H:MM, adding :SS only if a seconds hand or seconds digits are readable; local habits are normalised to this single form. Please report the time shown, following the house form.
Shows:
4:45
